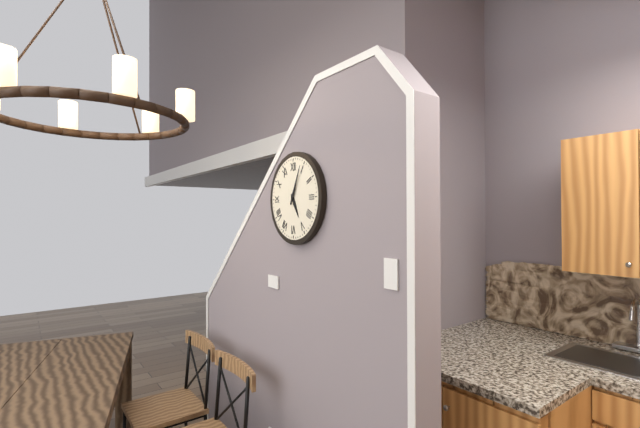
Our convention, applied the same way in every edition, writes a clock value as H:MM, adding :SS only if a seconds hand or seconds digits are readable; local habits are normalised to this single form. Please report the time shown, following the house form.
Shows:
5:04
